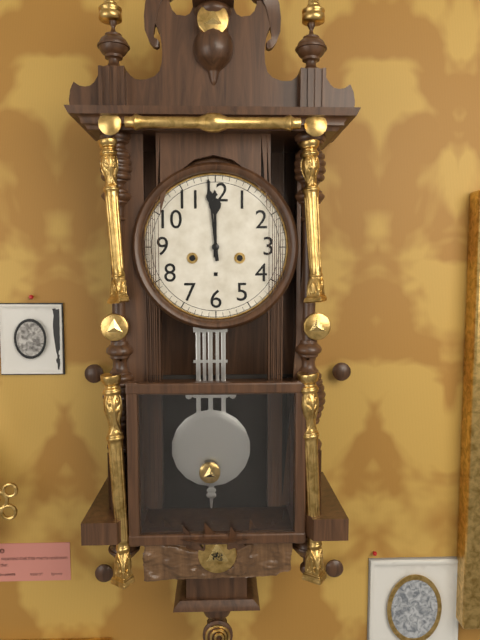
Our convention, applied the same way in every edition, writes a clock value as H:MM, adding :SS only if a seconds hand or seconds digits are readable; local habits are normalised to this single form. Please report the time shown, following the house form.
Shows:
11:59
